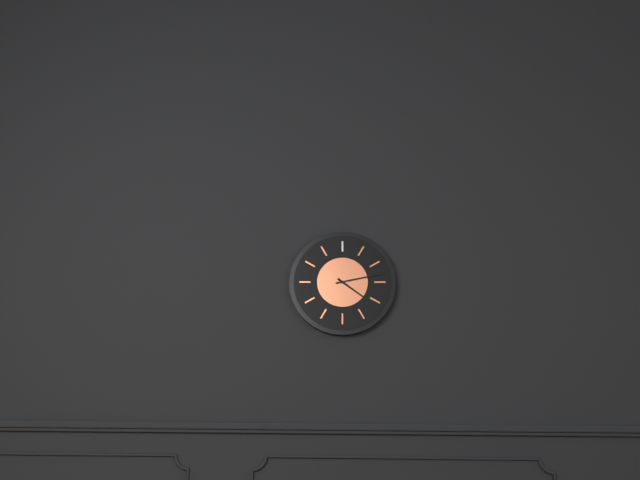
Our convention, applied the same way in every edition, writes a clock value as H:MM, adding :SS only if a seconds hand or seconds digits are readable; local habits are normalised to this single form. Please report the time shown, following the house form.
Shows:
4:13
